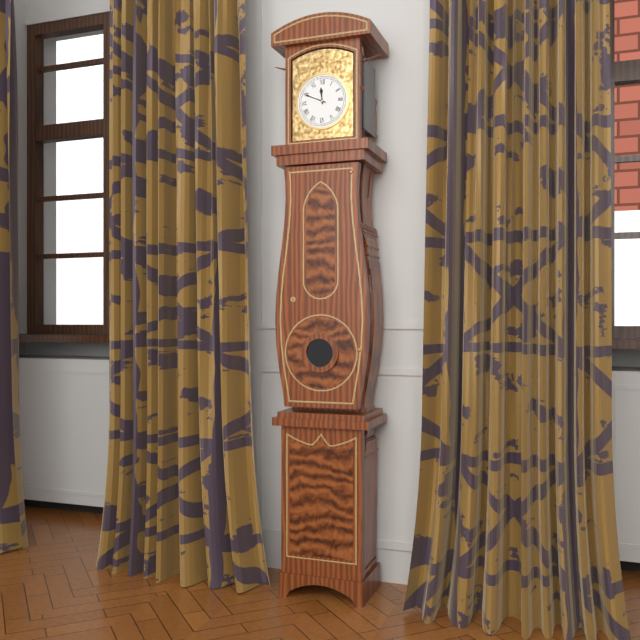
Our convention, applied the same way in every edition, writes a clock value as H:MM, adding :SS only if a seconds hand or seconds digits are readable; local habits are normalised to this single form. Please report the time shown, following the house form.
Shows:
11:49
